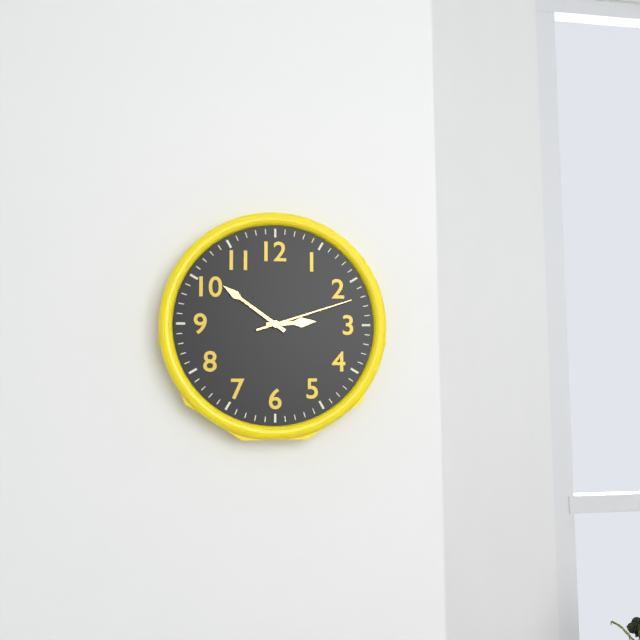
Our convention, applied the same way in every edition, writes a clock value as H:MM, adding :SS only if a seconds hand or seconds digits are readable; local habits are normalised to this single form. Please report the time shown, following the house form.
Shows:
2:51:12
